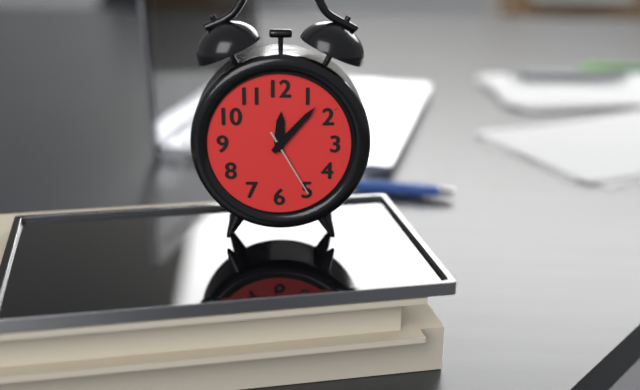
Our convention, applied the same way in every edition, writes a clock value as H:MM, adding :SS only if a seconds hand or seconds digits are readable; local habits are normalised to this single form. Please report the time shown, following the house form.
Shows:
12:07:25
